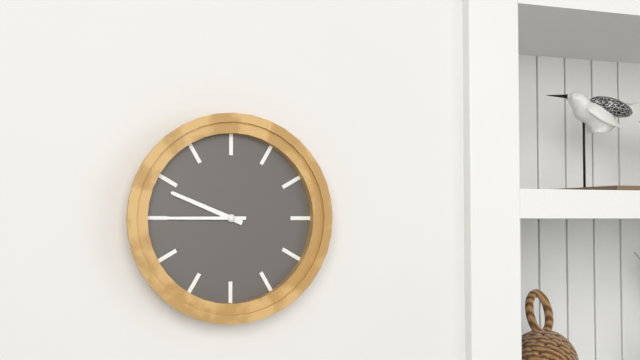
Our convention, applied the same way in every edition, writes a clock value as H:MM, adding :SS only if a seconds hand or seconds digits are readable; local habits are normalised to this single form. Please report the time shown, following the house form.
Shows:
9:45
